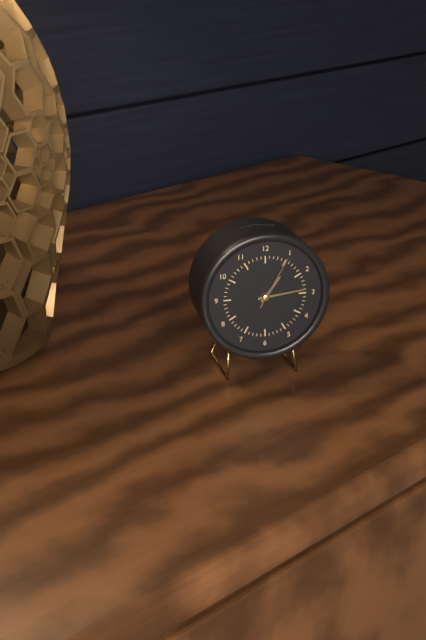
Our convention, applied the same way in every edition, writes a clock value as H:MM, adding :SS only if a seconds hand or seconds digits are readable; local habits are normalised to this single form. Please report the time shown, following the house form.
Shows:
1:14:05
